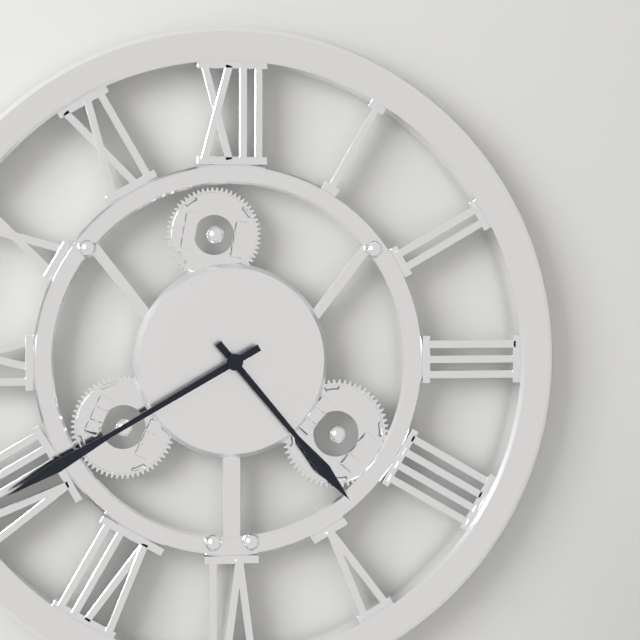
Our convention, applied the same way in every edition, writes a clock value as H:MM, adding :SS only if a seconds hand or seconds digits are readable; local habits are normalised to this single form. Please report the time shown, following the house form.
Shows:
4:40
